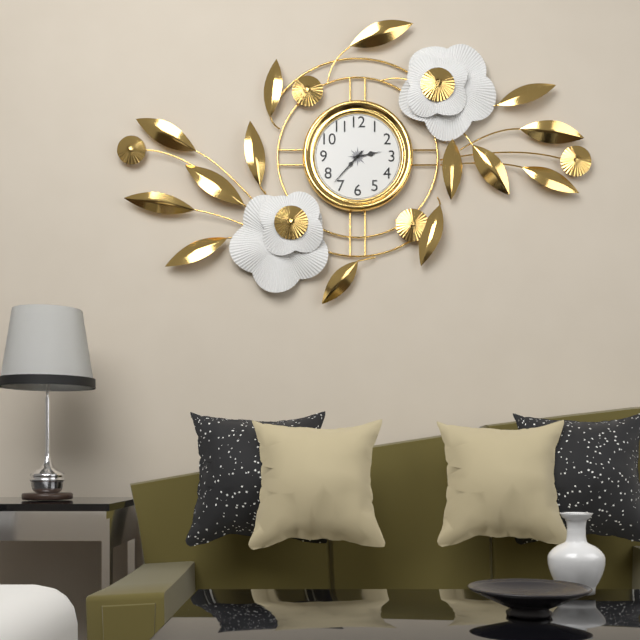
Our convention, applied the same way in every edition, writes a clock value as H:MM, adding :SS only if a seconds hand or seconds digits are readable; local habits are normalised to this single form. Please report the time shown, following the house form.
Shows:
2:37
